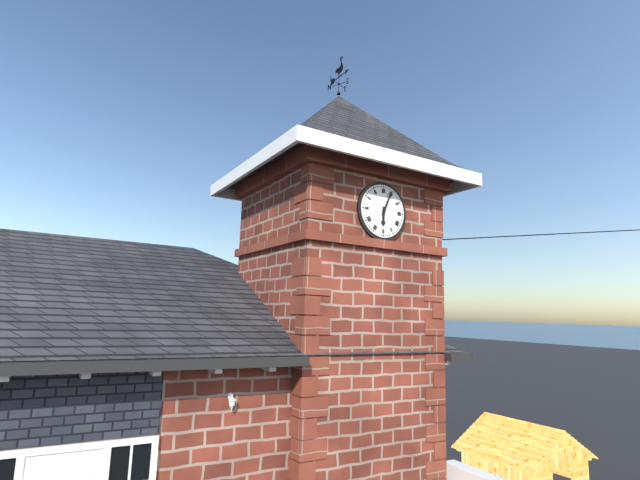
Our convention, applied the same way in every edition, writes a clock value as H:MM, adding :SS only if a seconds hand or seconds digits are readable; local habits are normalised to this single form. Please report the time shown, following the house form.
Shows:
6:04
